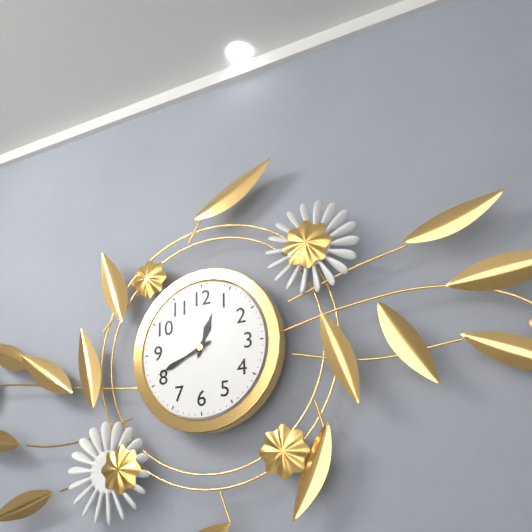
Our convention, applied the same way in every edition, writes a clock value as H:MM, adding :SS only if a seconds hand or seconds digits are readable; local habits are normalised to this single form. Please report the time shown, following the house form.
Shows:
12:41
